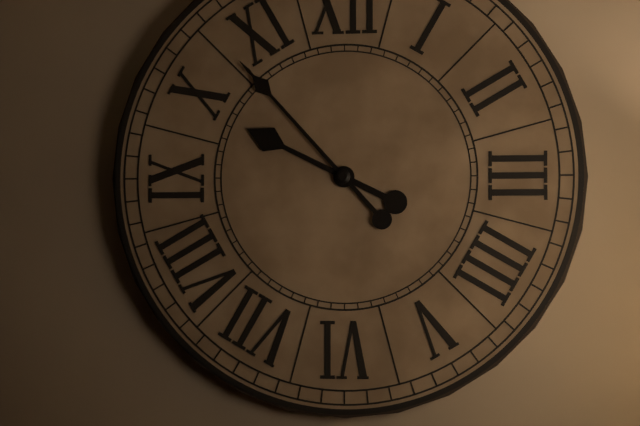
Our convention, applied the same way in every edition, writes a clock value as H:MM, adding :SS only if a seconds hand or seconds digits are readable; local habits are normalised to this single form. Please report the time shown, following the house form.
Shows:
9:53
